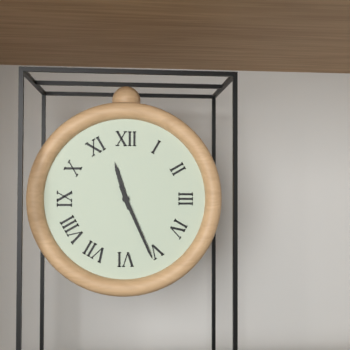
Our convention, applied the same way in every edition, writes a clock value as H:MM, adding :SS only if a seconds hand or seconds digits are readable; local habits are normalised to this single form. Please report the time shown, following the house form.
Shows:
11:26
